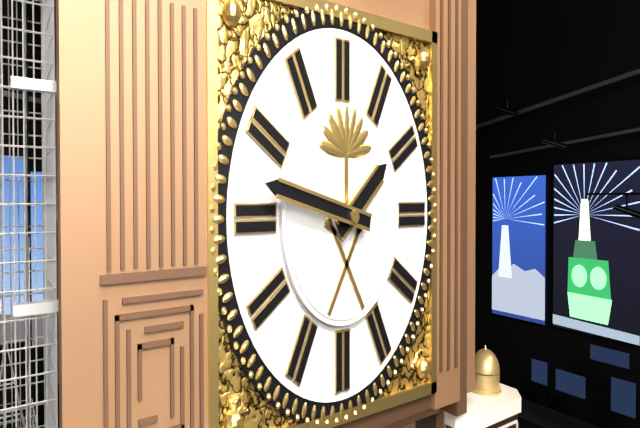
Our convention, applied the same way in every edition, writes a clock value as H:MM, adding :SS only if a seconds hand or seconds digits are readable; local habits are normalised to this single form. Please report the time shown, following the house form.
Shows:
1:47
